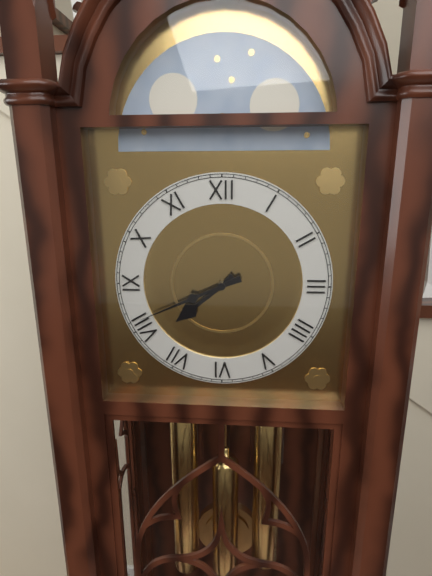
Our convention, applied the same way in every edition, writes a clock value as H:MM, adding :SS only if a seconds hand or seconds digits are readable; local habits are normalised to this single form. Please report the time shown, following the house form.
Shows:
7:41
